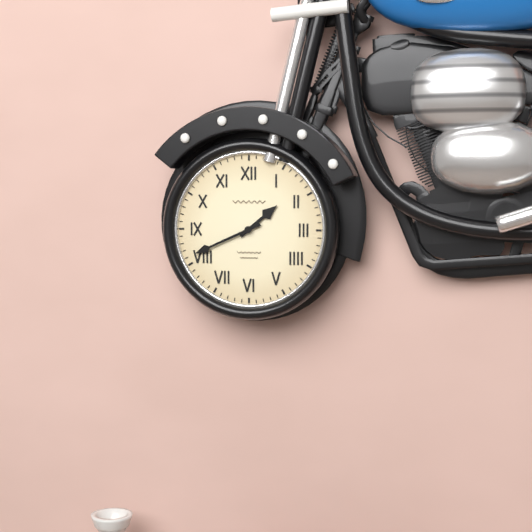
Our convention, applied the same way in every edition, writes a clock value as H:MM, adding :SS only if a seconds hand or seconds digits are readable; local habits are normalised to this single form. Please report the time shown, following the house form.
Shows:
1:41
